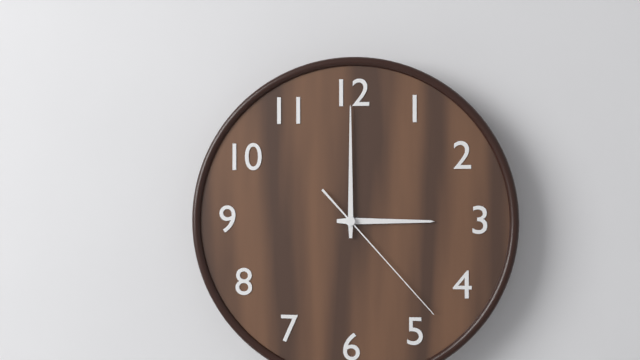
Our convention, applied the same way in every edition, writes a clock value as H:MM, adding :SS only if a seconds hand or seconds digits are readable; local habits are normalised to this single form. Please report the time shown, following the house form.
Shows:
3:00:23
